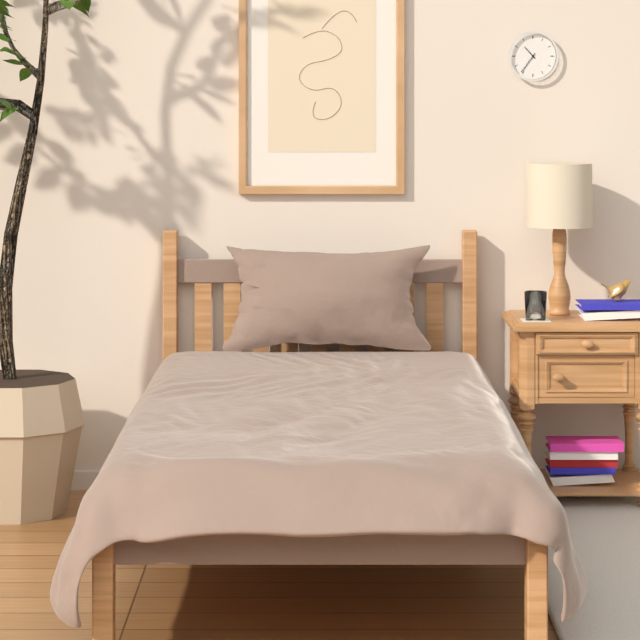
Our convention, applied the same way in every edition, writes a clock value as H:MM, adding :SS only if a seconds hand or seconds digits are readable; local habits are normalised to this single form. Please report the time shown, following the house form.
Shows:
10:36
